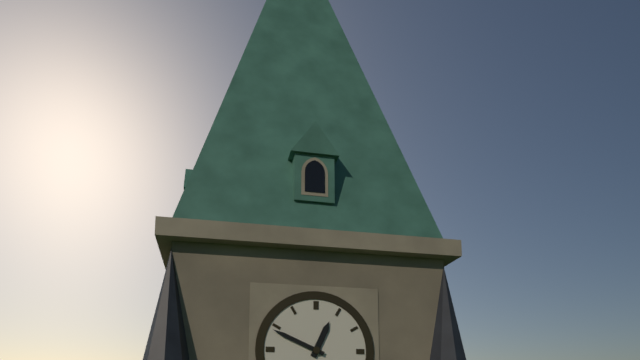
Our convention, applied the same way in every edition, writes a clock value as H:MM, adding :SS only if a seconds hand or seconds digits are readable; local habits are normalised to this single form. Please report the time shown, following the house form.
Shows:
12:49
